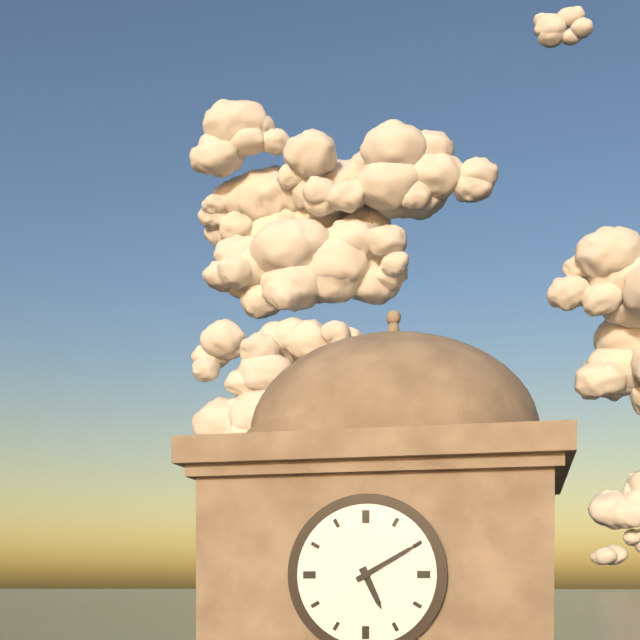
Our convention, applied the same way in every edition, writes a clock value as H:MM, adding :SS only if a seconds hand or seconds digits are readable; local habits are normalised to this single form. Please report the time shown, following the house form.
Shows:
5:10
